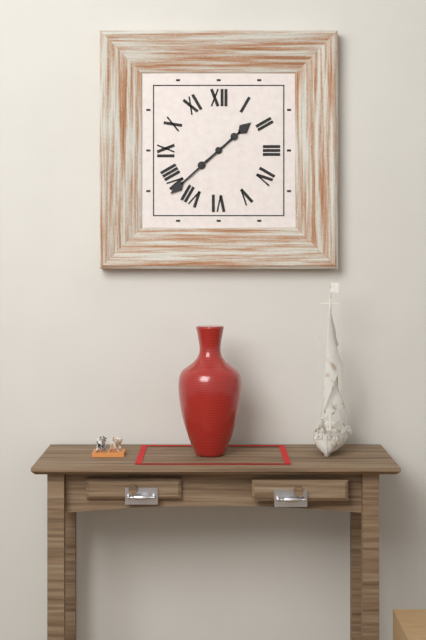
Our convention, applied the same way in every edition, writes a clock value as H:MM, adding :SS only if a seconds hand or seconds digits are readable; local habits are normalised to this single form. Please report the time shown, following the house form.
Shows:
1:38
